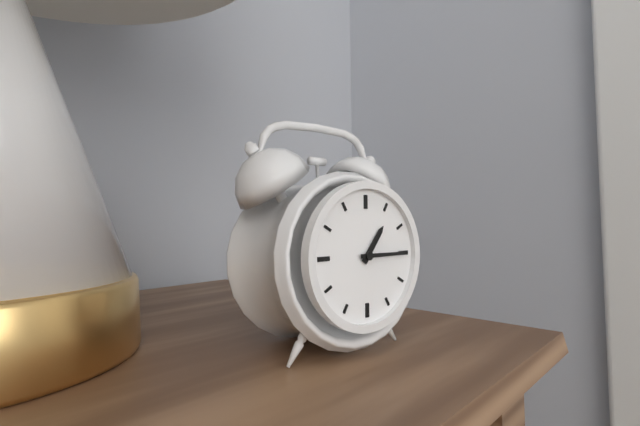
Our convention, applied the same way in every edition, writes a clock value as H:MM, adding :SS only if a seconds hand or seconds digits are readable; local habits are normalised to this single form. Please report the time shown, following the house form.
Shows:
1:15
